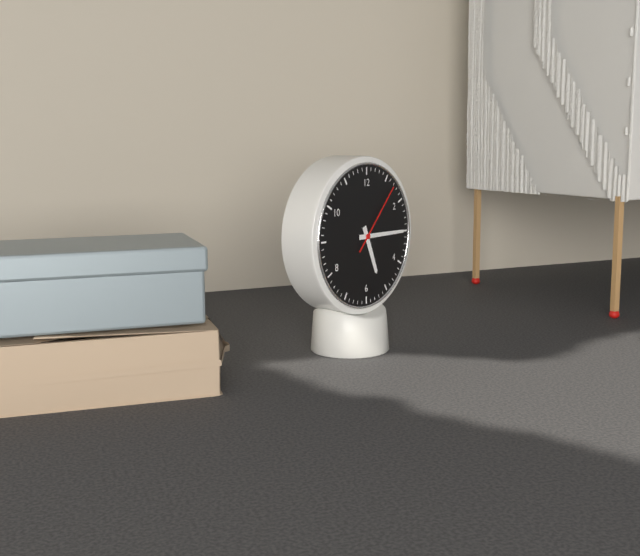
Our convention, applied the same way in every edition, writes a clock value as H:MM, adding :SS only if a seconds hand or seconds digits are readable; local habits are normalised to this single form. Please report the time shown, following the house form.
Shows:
5:15:07
